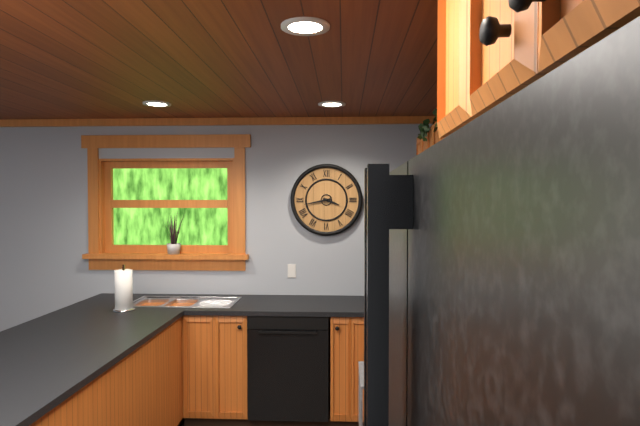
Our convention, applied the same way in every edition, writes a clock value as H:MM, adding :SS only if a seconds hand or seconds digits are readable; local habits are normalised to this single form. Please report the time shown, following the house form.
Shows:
3:43
